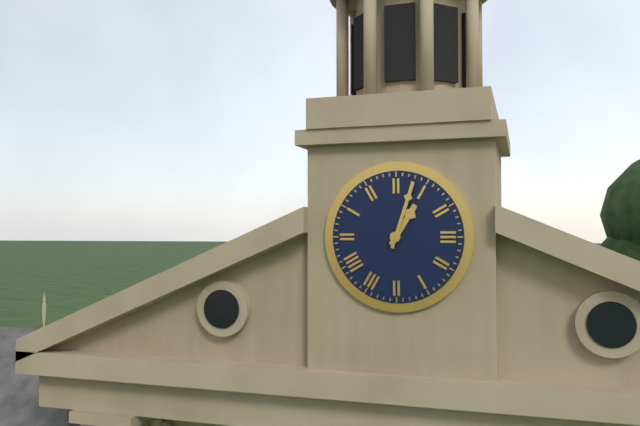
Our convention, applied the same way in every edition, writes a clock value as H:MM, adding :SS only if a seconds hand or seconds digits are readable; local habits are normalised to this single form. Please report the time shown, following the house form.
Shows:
1:03
